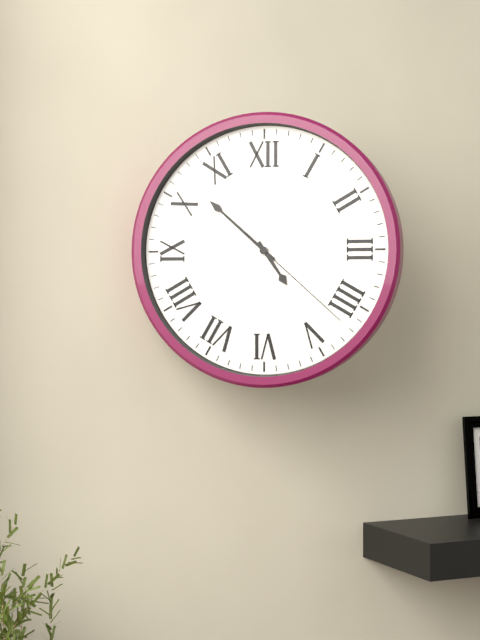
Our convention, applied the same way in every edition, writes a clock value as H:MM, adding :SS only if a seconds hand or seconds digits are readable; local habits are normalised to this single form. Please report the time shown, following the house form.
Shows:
4:52:22
